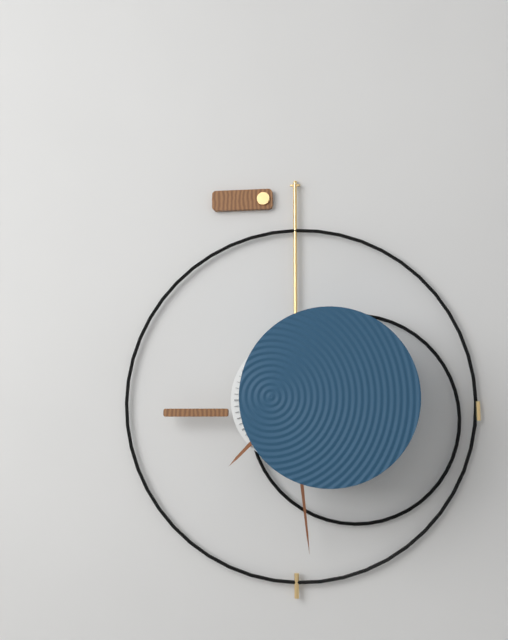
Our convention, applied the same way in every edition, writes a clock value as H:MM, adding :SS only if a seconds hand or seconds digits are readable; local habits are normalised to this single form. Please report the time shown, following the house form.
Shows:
7:29
